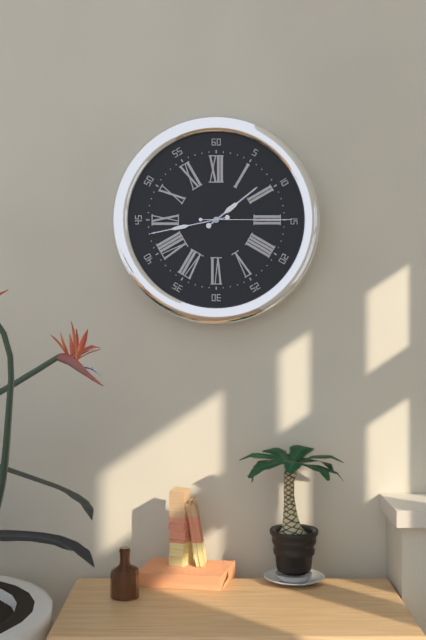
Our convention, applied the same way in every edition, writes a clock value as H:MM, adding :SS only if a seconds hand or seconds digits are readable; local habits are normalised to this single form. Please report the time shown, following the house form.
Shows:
1:43:15
